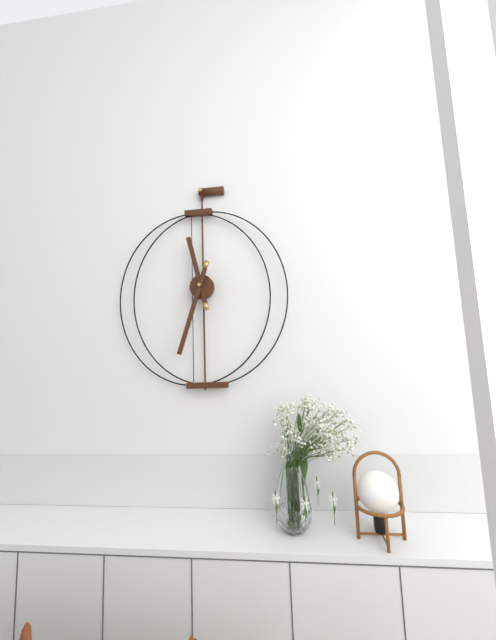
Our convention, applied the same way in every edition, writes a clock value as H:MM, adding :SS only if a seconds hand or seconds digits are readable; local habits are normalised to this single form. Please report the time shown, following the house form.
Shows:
11:33
